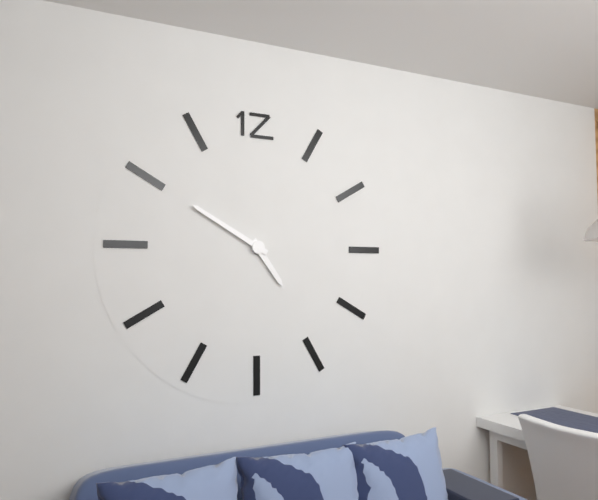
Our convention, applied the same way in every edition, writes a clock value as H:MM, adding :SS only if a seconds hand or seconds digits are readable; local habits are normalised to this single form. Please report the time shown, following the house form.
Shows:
4:50
